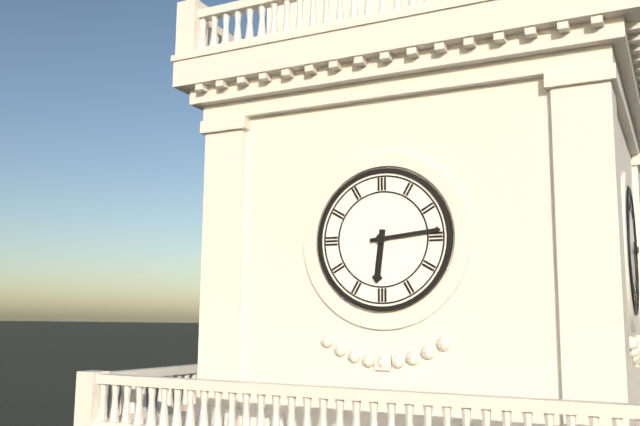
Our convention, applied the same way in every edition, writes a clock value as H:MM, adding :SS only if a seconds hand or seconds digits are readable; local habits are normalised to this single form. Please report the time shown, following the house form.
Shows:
6:14
